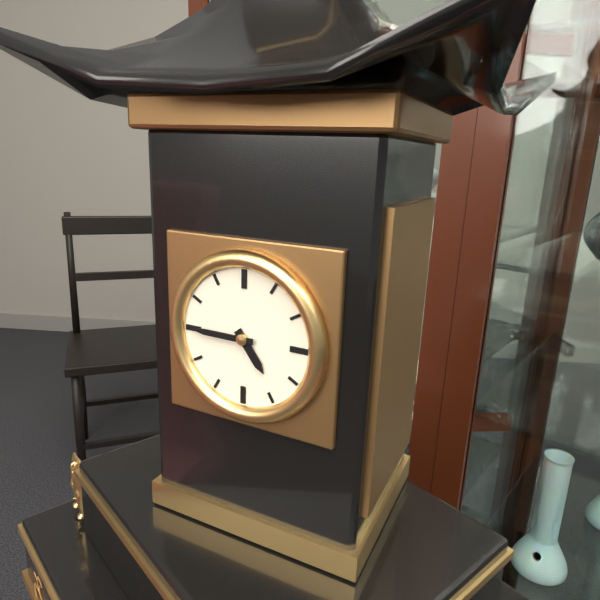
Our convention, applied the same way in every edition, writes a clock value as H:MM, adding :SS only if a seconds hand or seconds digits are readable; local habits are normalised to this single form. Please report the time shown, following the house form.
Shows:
4:45
